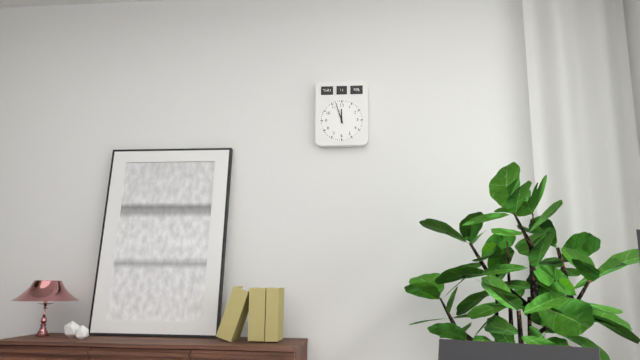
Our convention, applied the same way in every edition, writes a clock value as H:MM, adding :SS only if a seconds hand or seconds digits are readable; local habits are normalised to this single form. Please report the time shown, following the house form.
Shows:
11:57
